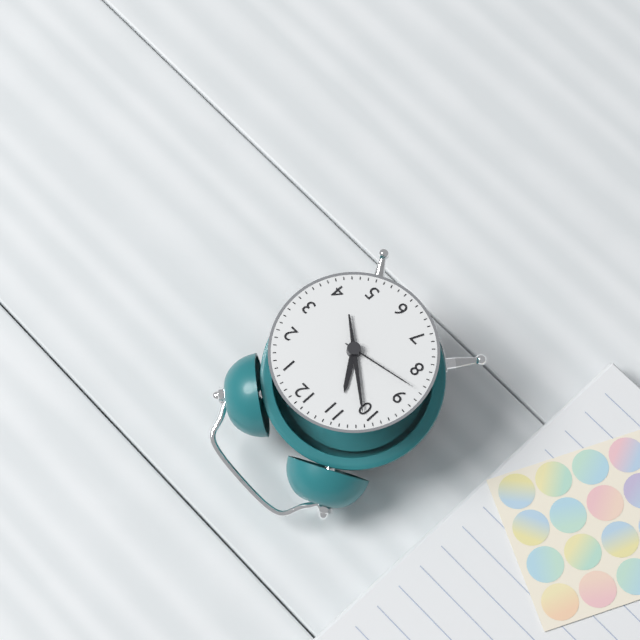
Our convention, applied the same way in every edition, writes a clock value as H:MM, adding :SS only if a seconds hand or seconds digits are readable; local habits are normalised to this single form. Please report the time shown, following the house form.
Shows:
10:51:43
